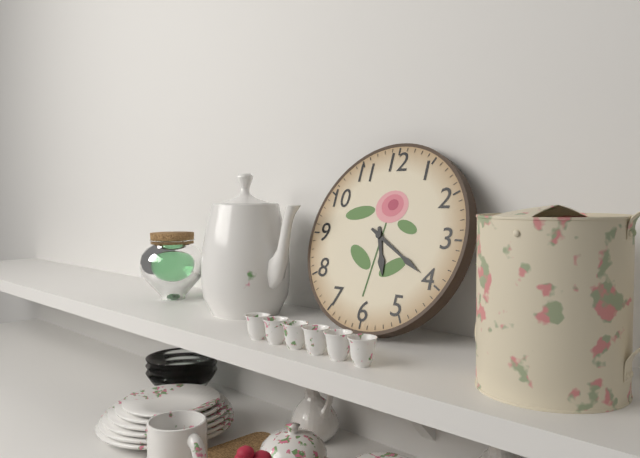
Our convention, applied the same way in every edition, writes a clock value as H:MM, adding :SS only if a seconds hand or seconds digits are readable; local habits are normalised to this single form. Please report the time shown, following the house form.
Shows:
5:20
